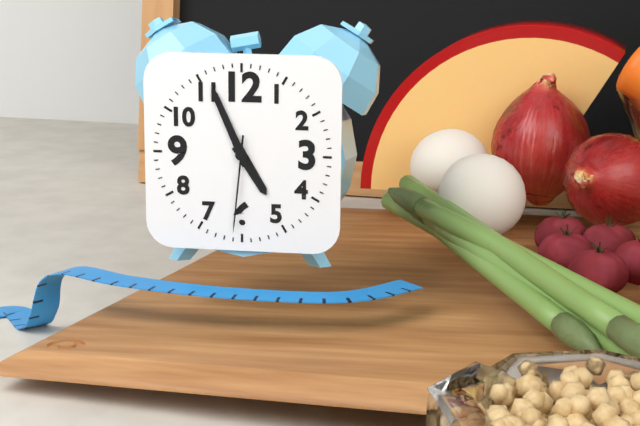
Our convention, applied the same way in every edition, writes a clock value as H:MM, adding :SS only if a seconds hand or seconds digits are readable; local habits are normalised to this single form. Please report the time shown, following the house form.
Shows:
4:56:31
